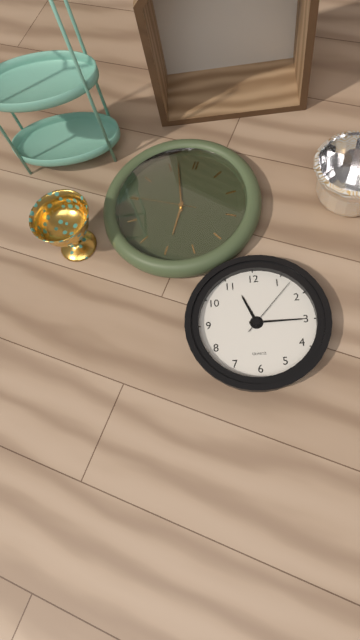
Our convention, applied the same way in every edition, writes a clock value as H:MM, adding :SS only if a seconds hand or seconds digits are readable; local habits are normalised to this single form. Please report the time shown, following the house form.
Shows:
11:15:07
